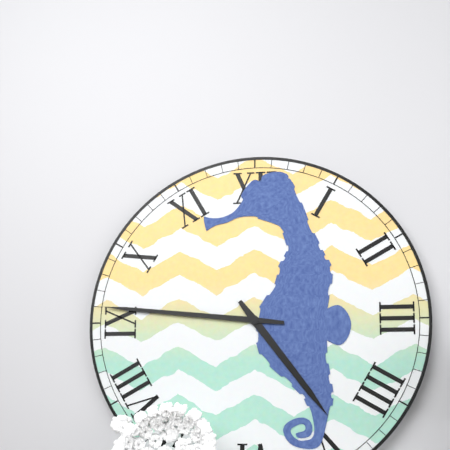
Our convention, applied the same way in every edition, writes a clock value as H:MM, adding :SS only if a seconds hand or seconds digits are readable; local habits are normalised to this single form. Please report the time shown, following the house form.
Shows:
4:46
